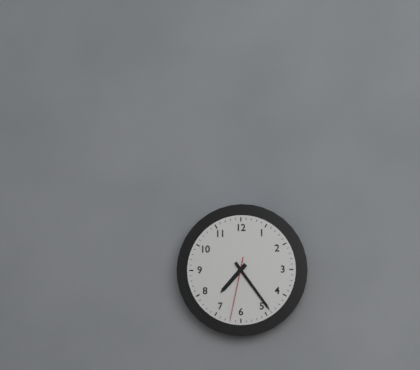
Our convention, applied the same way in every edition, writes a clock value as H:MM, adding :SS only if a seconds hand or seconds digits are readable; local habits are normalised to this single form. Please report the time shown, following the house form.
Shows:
7:24:32
